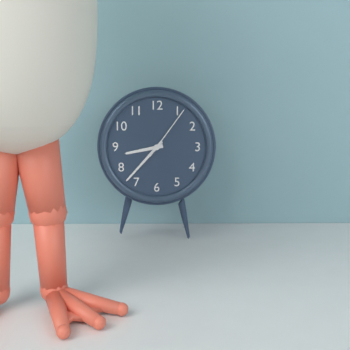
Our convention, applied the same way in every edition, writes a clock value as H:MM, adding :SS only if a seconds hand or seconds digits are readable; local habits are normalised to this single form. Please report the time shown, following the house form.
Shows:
8:37:06
